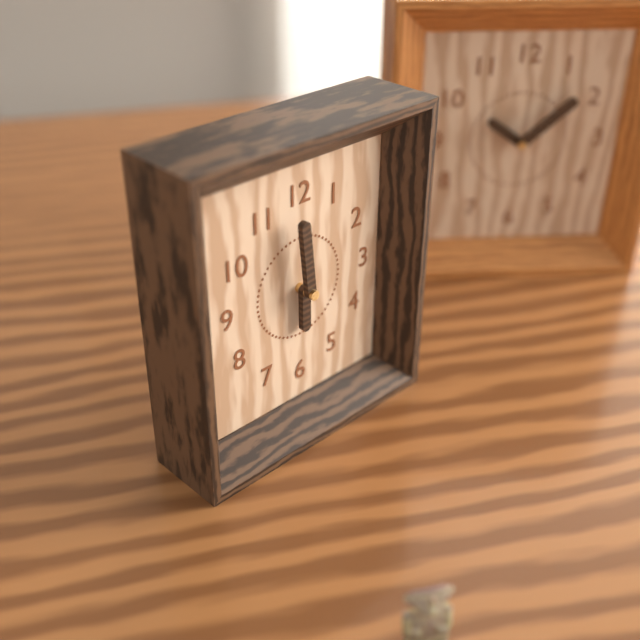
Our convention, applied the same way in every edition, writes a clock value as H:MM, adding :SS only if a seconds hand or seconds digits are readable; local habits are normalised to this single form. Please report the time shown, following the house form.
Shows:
5:59
